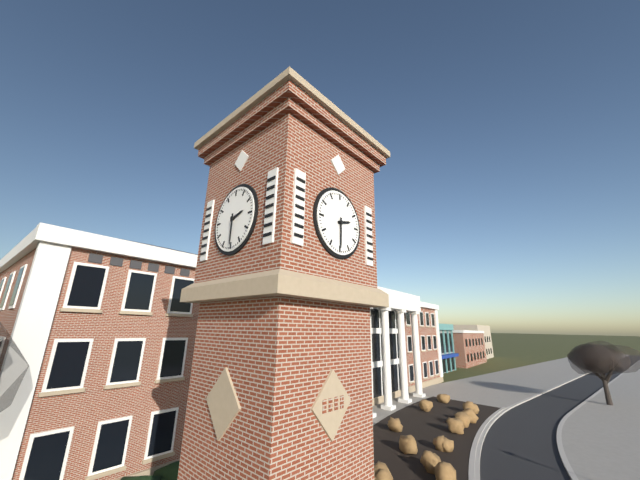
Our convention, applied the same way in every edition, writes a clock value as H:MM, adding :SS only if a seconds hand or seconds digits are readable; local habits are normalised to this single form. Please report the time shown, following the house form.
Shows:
2:30
